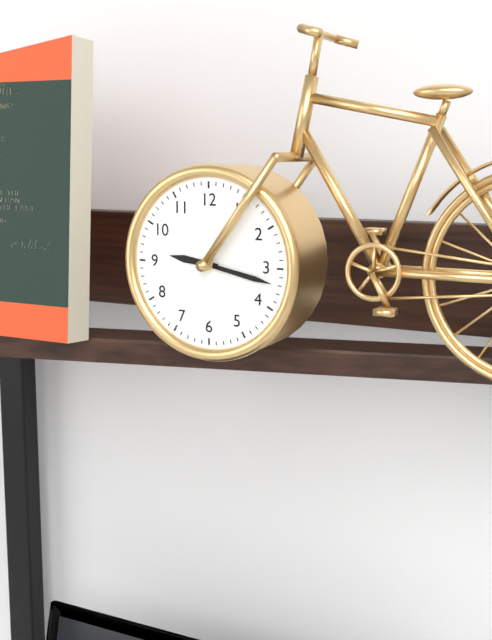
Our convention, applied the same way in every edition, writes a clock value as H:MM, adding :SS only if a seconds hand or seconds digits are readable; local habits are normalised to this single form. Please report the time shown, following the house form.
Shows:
9:17
